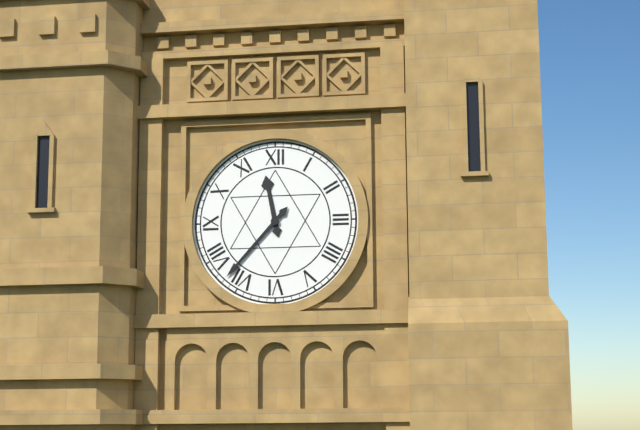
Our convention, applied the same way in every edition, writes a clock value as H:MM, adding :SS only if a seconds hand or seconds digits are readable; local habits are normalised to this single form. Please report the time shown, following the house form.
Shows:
11:37
